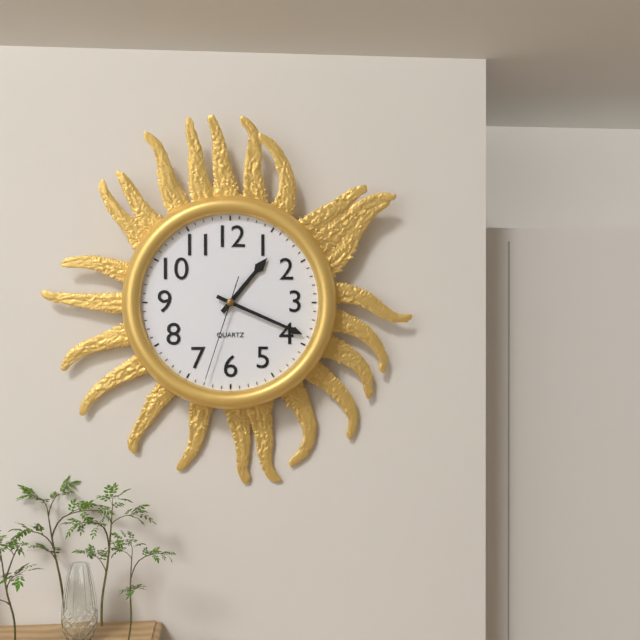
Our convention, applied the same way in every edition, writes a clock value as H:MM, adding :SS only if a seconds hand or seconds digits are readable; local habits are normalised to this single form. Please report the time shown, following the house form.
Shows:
1:19:33
